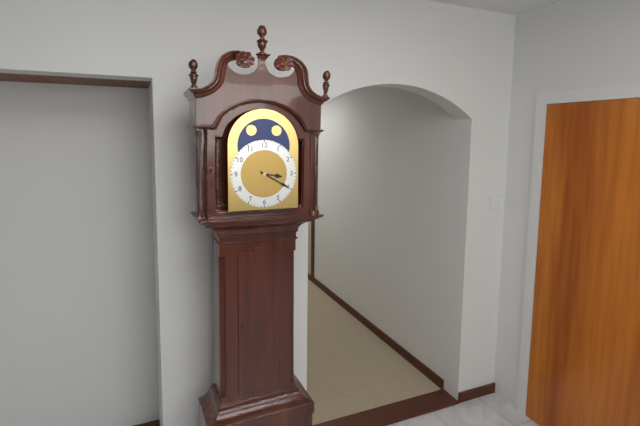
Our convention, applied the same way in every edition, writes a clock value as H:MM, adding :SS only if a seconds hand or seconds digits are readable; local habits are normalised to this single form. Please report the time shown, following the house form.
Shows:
3:20
